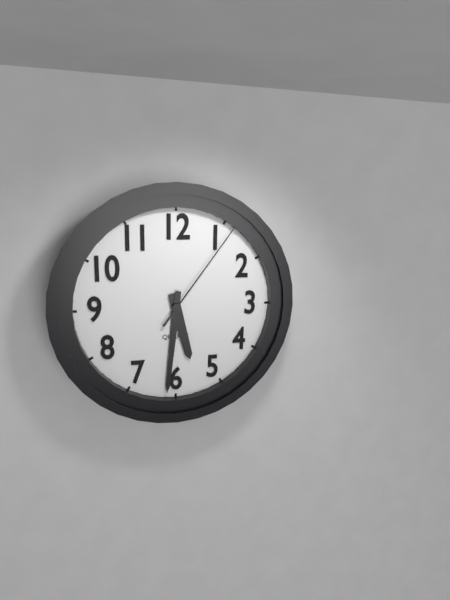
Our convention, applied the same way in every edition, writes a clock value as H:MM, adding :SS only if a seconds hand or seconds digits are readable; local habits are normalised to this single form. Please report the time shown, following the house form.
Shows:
5:31:06
